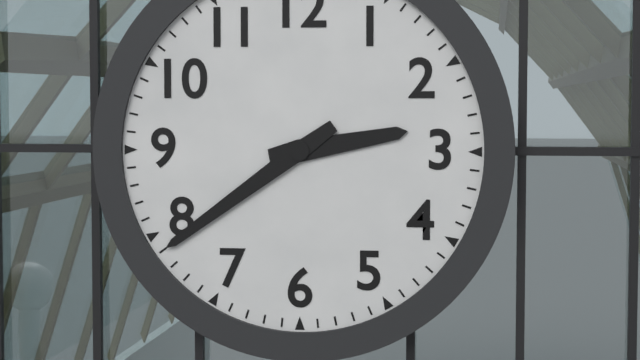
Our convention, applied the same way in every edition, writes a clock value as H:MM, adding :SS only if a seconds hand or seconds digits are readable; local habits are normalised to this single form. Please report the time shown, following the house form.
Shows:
2:39
